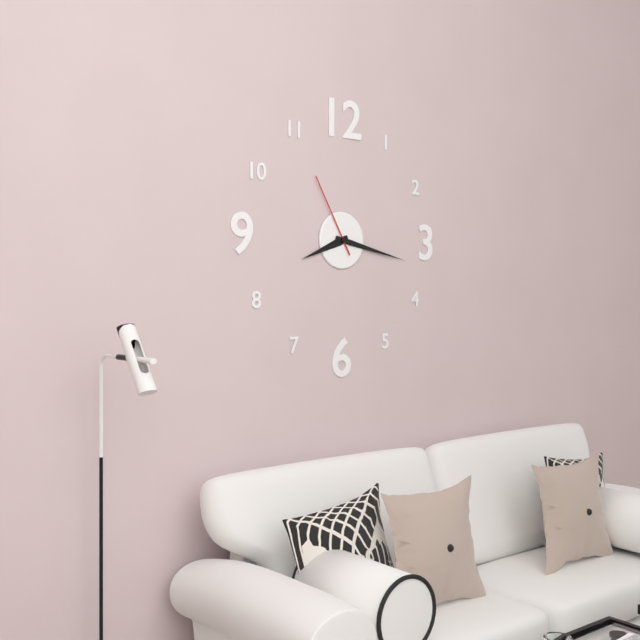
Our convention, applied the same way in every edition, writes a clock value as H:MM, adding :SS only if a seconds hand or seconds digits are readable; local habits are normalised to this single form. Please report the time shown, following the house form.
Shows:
8:17:55
